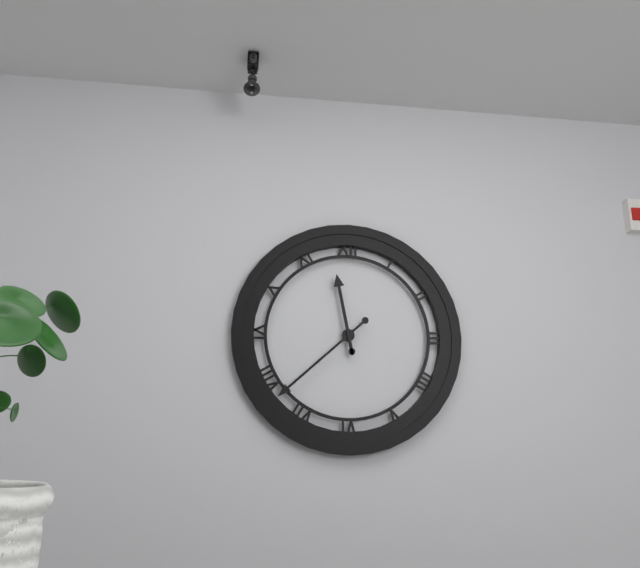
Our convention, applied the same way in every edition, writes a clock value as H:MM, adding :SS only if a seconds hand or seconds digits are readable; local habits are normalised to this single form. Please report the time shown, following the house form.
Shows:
11:38
